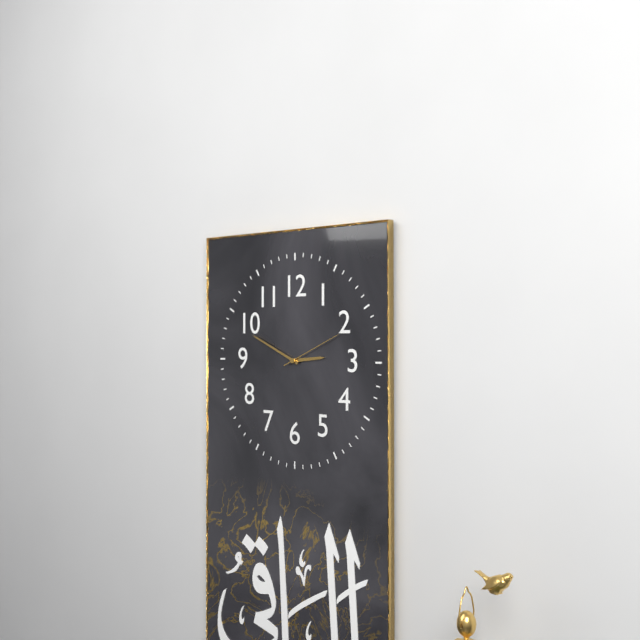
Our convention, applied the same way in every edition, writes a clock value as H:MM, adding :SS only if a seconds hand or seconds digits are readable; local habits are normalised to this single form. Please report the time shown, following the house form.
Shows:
2:49:11
